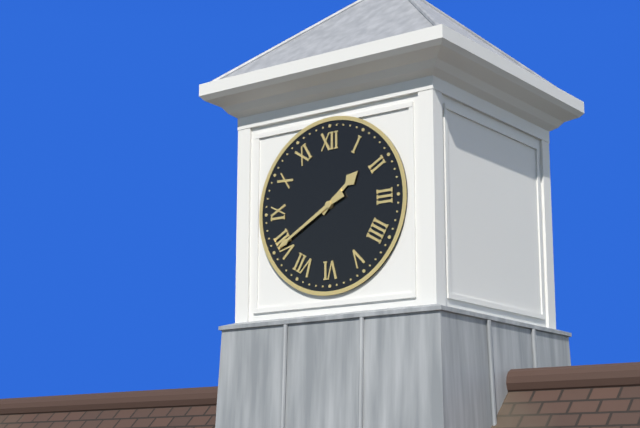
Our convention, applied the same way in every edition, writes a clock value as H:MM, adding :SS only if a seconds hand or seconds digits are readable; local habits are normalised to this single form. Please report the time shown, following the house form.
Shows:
1:40
